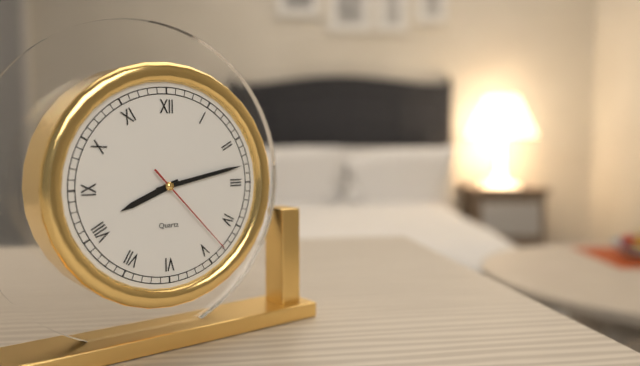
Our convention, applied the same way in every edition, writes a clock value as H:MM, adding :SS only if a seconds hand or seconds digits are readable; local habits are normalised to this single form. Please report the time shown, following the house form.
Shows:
8:13:23
